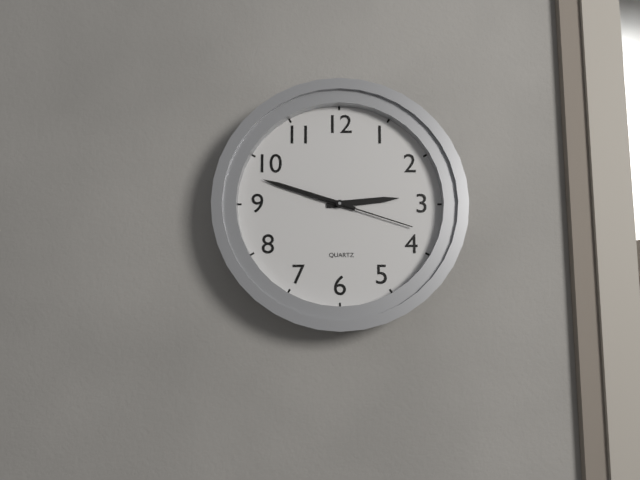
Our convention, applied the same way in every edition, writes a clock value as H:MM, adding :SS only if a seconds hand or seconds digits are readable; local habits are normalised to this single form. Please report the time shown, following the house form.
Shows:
2:48:18
